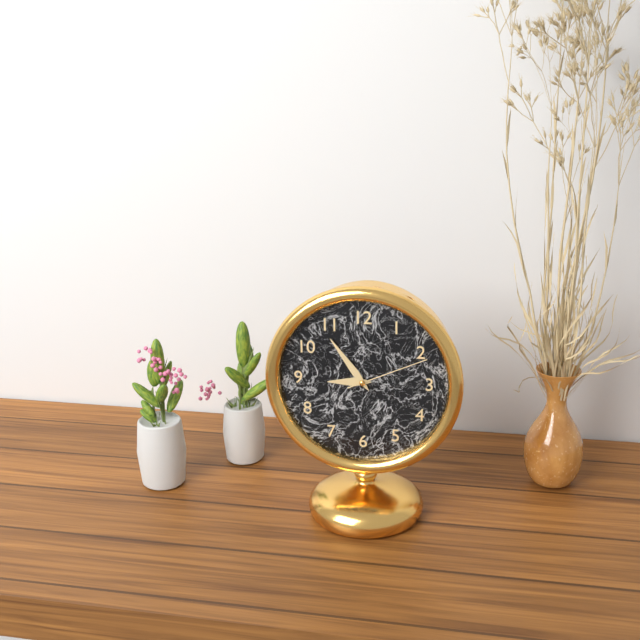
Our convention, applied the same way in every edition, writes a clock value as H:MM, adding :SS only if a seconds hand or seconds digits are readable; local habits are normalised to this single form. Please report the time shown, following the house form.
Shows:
8:54:11
